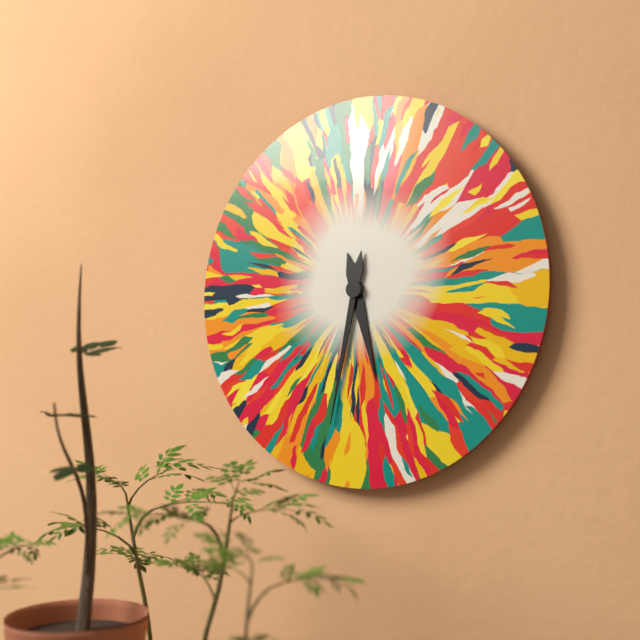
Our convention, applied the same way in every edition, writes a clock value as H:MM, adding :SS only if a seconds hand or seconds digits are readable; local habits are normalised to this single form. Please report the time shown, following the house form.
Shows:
5:32
